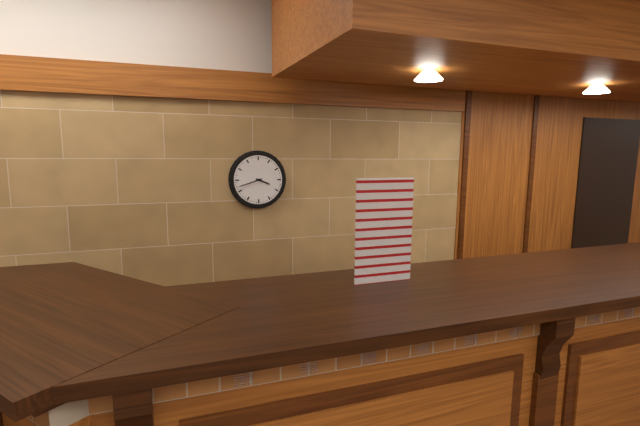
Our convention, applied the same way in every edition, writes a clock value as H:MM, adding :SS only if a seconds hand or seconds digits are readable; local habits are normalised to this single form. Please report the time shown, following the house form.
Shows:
3:42
